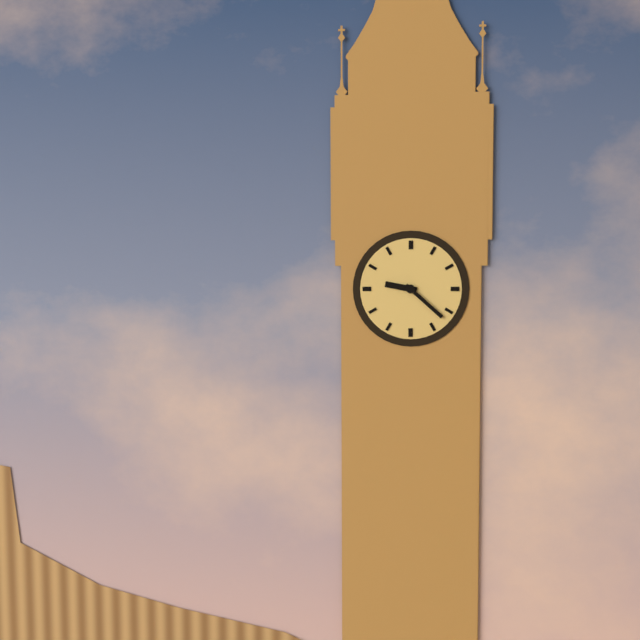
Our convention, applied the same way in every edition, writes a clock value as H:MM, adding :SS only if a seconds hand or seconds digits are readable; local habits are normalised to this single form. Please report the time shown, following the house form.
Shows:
9:22
